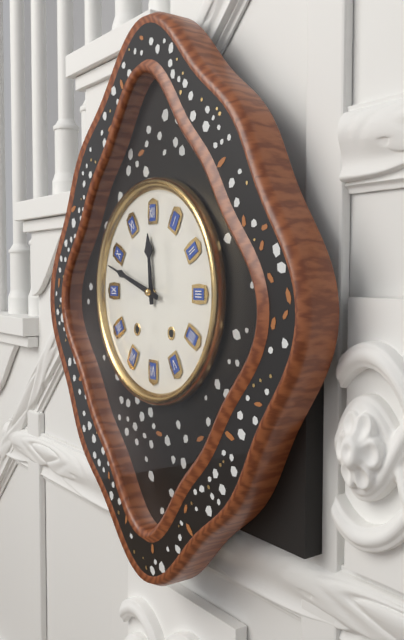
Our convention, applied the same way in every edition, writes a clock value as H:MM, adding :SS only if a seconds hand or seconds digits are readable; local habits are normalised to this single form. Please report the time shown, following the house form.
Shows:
11:48
